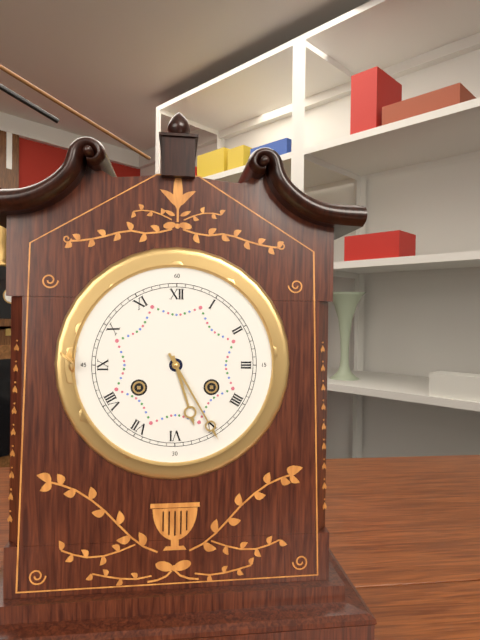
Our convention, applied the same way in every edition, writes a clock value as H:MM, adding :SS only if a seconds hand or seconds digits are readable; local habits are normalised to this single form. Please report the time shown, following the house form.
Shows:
5:25
